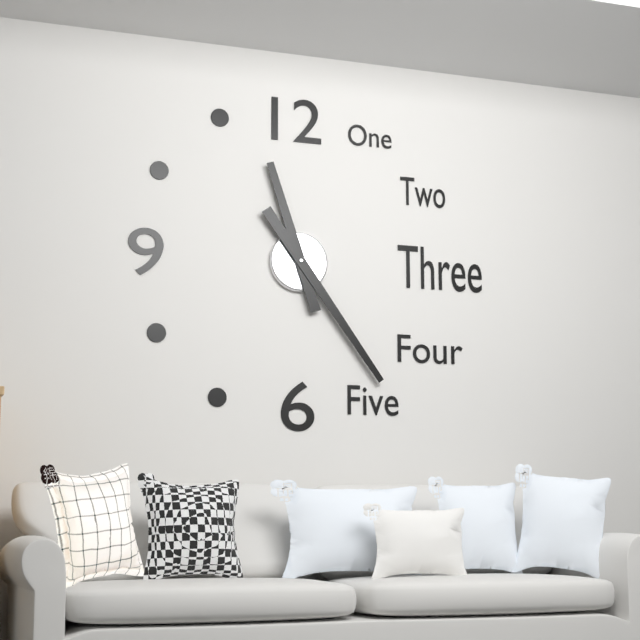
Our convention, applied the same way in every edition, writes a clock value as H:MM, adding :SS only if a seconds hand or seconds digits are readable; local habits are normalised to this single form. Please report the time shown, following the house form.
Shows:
11:24
